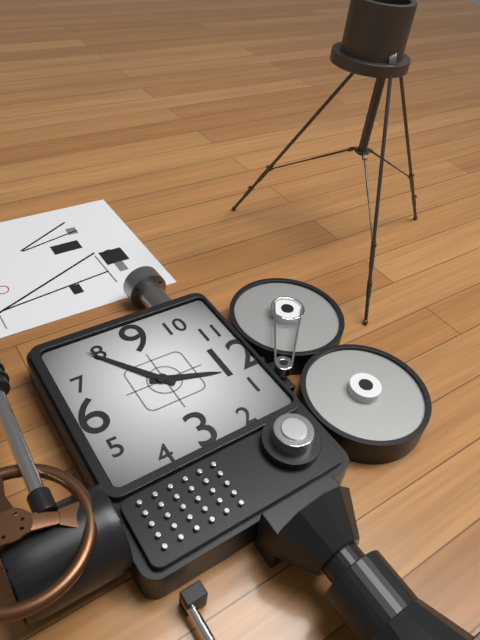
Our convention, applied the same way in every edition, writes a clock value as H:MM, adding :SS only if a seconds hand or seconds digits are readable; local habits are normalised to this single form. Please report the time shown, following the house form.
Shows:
12:39
